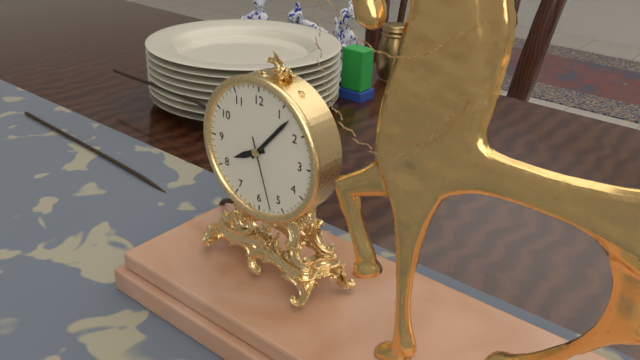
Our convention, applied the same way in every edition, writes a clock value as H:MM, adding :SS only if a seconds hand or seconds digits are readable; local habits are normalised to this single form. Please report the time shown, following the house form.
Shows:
8:07:27
